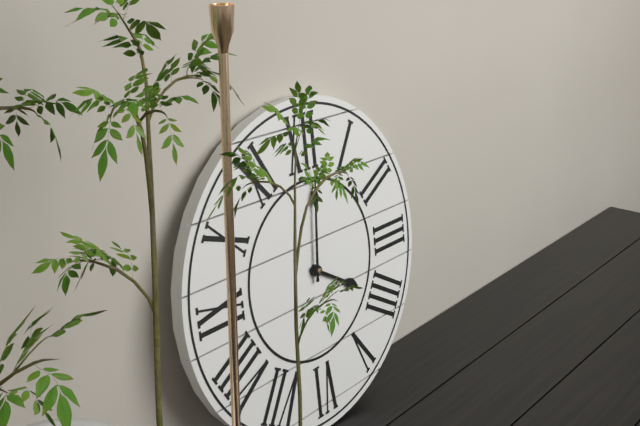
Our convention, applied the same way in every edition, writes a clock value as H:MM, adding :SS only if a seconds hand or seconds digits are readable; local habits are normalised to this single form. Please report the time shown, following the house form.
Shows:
4:01
